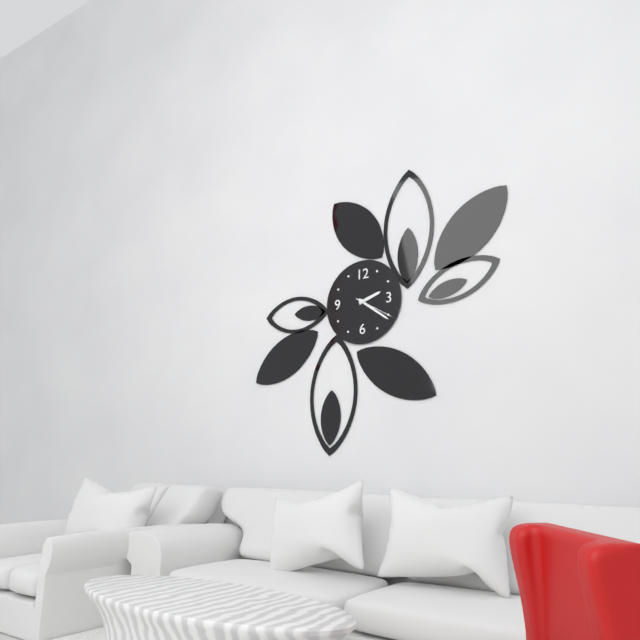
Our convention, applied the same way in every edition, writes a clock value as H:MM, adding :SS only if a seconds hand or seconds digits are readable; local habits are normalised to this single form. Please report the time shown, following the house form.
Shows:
2:21
